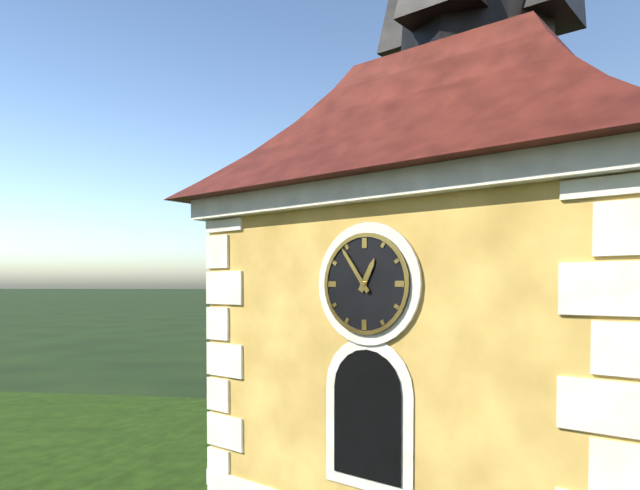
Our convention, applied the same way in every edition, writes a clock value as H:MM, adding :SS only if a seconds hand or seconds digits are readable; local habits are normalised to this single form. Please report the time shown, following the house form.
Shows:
12:54
